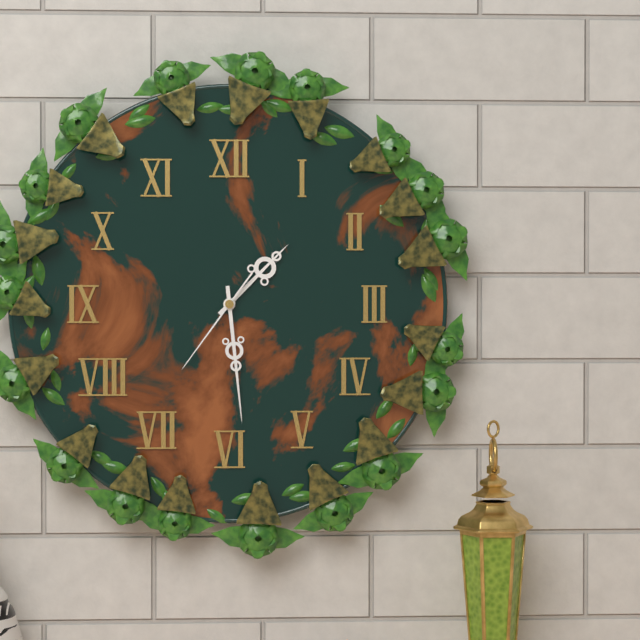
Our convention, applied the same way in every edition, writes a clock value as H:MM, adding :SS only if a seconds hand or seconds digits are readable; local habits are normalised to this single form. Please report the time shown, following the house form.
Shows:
1:29:36
